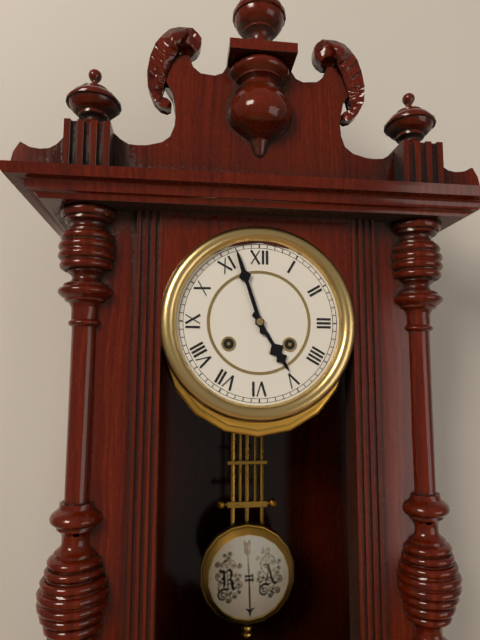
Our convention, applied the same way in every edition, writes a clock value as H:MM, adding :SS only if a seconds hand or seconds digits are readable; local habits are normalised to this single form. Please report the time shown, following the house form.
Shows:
4:57
